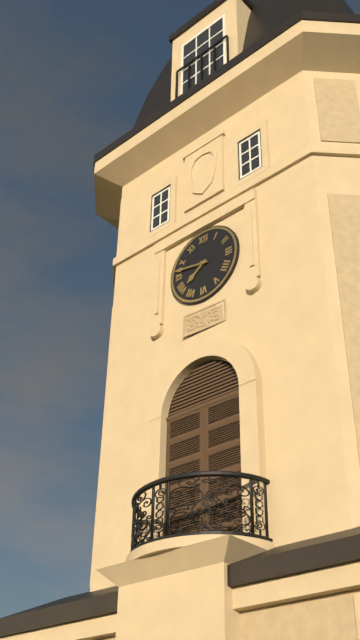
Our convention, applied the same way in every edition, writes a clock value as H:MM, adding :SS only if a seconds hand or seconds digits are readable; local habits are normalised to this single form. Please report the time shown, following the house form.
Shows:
7:47
